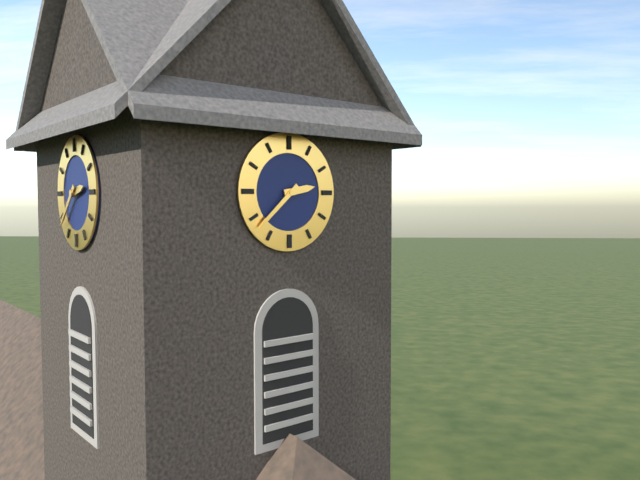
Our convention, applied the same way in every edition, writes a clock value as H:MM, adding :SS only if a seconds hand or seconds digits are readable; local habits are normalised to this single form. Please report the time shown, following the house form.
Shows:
2:38
